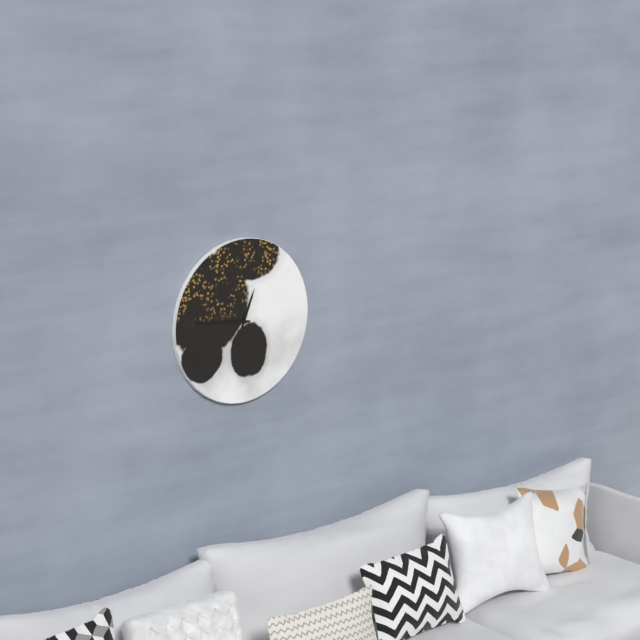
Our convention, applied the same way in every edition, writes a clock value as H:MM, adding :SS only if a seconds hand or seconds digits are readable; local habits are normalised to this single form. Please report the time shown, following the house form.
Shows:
12:46
